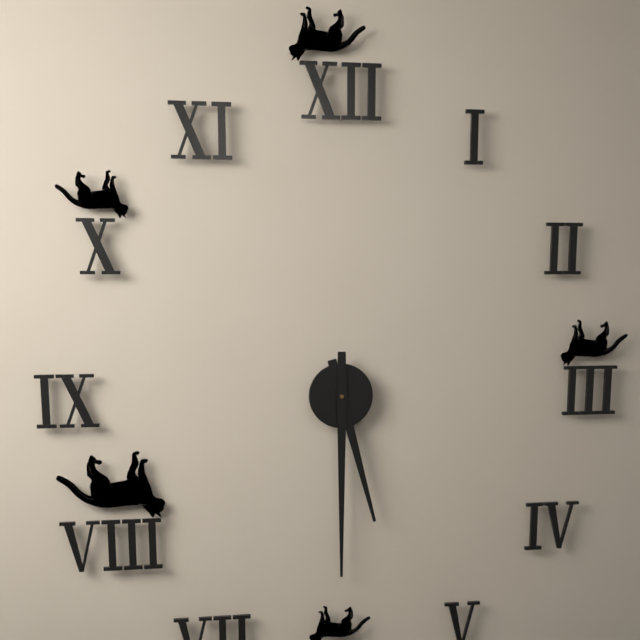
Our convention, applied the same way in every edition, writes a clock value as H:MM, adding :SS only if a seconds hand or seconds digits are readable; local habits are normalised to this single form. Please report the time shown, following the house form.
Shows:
5:30
